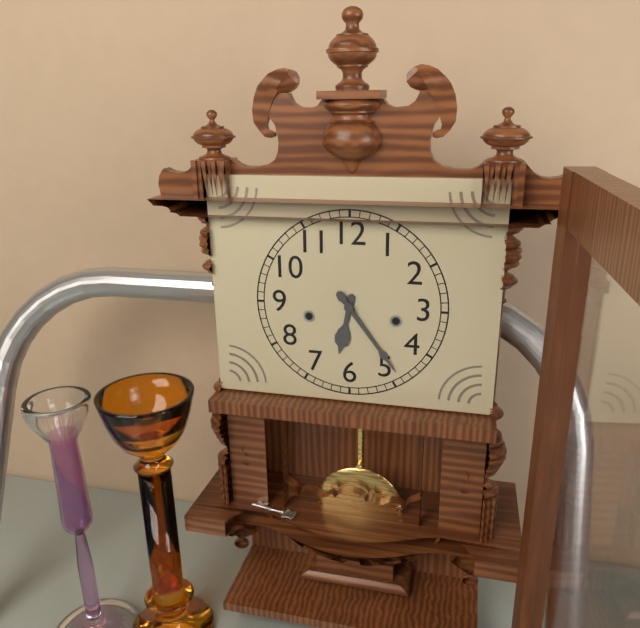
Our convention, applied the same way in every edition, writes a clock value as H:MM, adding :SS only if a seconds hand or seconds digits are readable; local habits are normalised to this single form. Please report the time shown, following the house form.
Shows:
6:24
